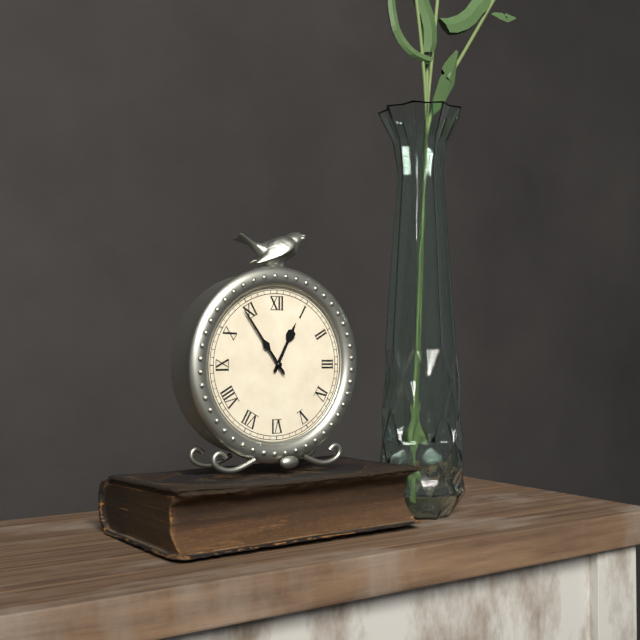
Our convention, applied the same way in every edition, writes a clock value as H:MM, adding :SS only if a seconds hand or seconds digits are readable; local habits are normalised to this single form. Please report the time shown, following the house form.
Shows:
12:54
